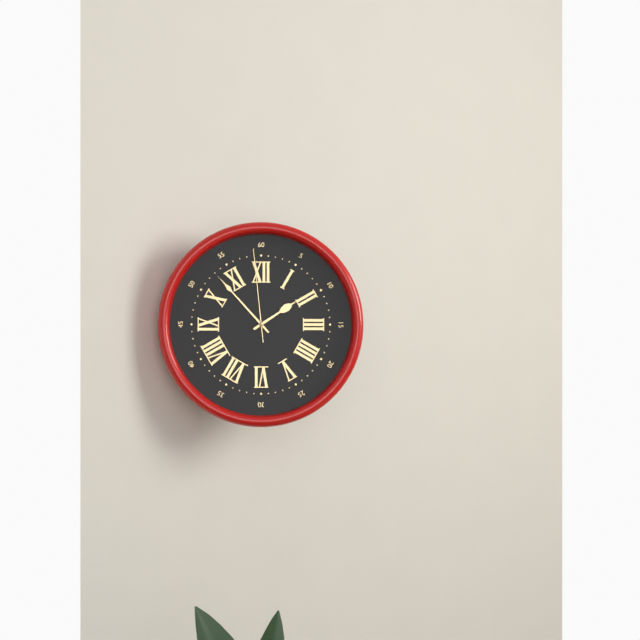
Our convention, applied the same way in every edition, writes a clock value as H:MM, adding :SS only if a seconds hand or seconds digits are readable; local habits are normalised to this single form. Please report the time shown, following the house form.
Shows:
1:53:59
